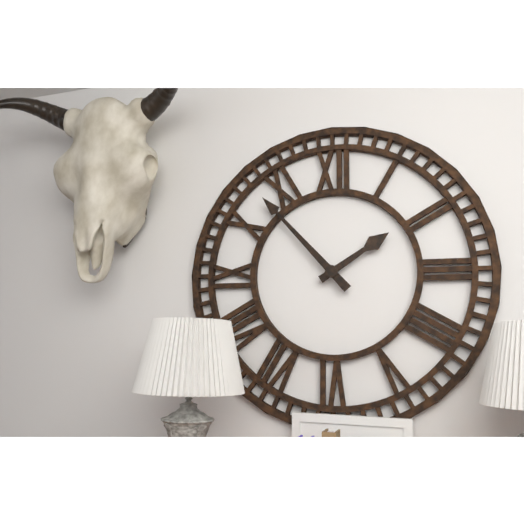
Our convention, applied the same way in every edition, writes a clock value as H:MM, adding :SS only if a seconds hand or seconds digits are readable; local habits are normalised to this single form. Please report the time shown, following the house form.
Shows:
1:53
